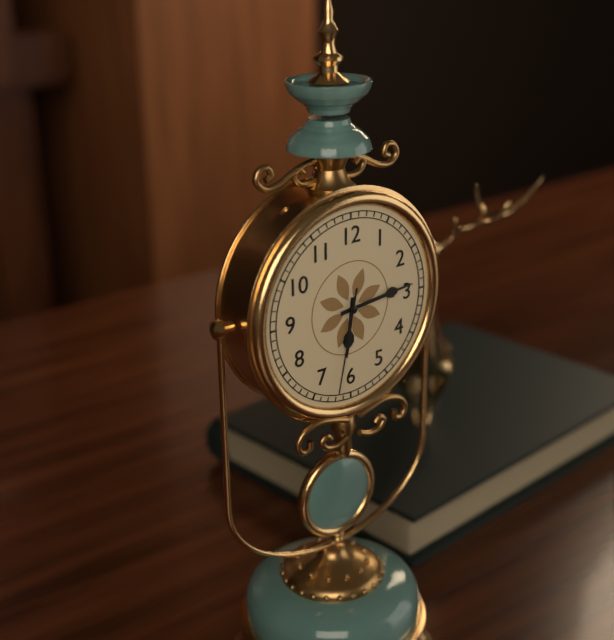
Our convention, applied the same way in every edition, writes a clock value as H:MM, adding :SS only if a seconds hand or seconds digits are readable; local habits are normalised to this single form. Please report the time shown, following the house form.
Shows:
6:14:32
